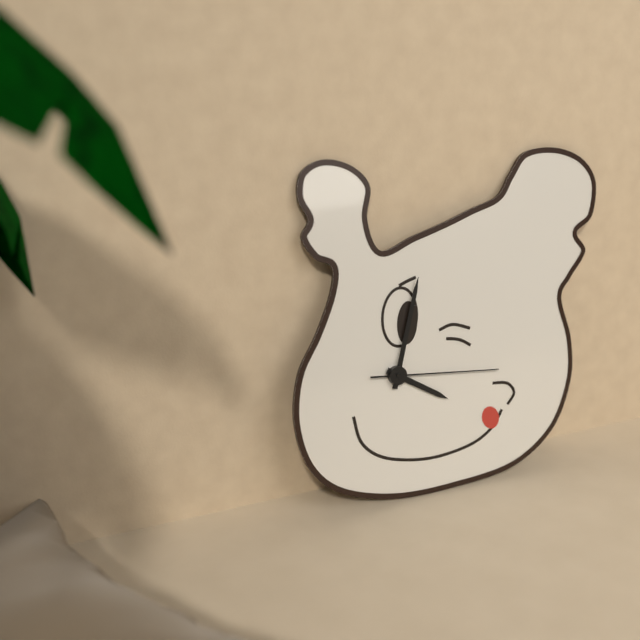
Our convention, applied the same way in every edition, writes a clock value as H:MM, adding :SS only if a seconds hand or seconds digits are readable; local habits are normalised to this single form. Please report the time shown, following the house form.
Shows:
4:03:16
